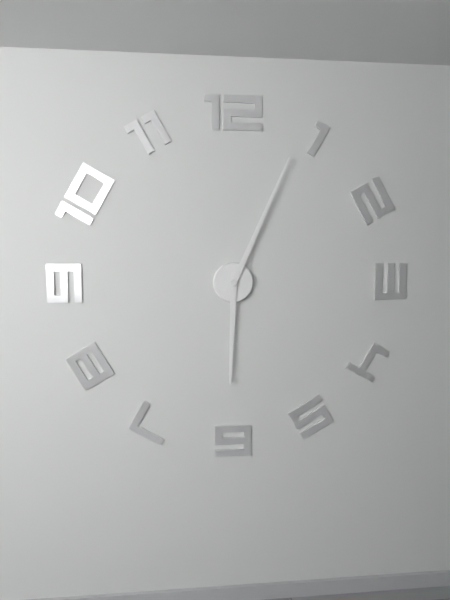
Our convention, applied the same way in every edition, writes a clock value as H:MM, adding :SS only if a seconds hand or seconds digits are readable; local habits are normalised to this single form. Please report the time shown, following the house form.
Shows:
6:04
